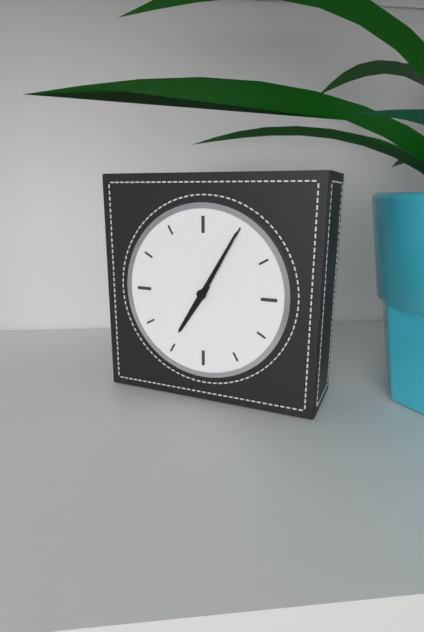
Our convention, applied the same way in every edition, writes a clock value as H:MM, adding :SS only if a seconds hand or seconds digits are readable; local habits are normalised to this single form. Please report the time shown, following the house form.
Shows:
7:05
